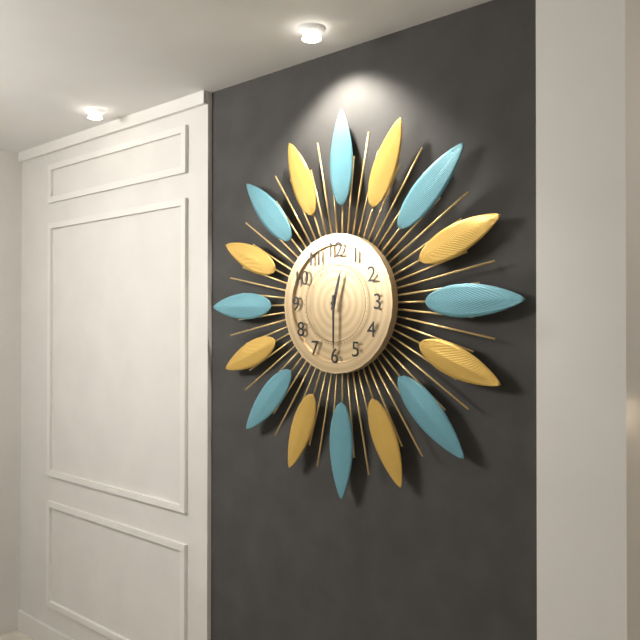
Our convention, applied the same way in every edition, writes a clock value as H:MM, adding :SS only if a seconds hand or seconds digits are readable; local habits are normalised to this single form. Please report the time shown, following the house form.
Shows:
12:30
